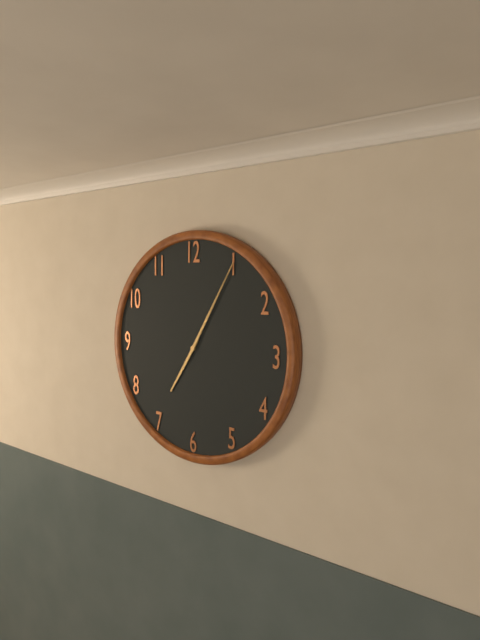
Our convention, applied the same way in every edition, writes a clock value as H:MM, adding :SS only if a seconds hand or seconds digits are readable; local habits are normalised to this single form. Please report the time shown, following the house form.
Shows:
7:05
